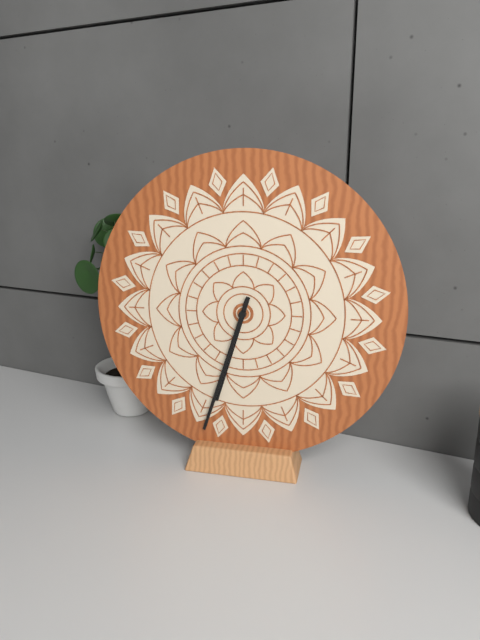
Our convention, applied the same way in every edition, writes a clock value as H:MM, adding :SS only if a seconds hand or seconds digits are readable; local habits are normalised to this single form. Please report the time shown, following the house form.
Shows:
6:33
